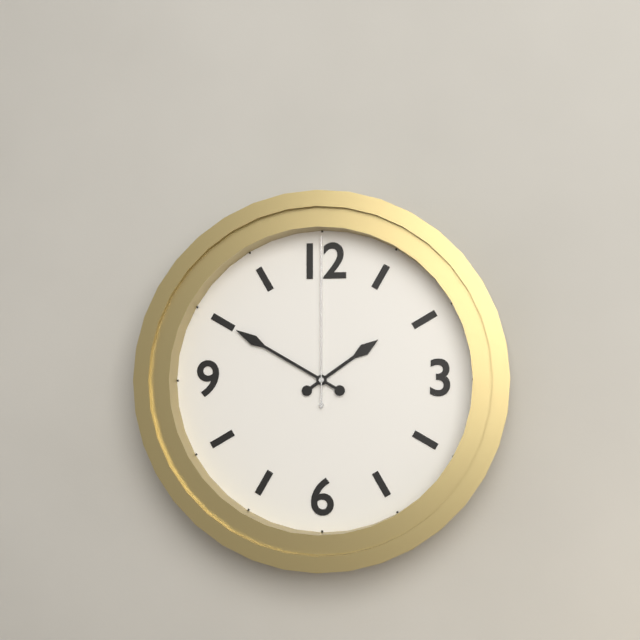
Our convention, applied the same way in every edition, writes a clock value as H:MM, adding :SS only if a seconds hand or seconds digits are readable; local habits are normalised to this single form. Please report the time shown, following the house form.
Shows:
1:50:00
